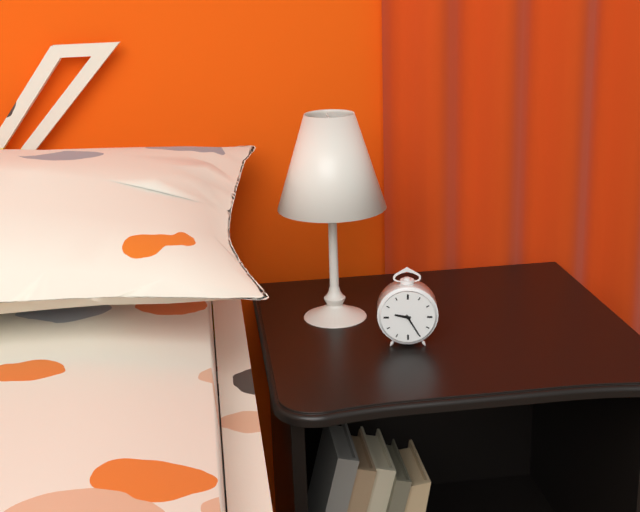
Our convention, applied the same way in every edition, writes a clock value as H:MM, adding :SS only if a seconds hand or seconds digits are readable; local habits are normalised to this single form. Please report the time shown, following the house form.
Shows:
9:25
